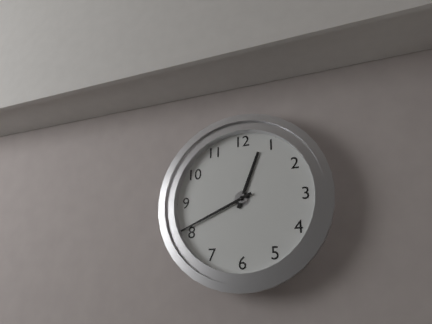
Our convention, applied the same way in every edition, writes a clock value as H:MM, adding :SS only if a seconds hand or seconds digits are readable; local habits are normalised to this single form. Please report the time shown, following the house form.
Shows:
12:41
